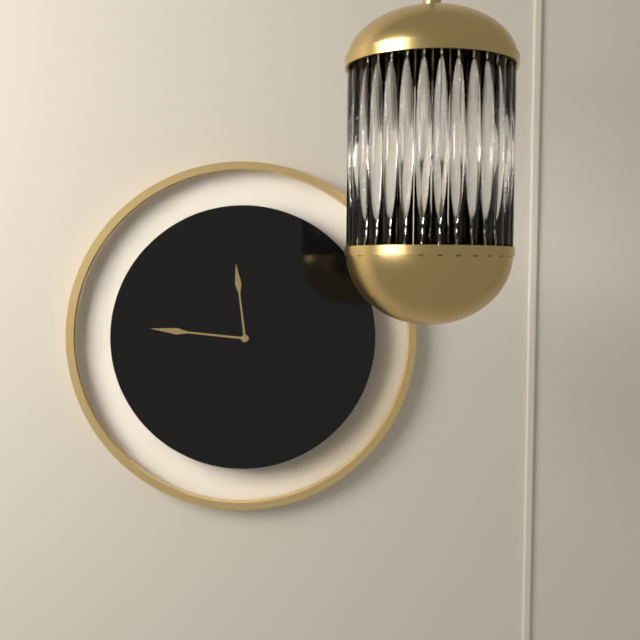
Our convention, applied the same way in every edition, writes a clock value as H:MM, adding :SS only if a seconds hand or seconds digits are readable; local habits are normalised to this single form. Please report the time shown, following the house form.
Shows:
11:46
